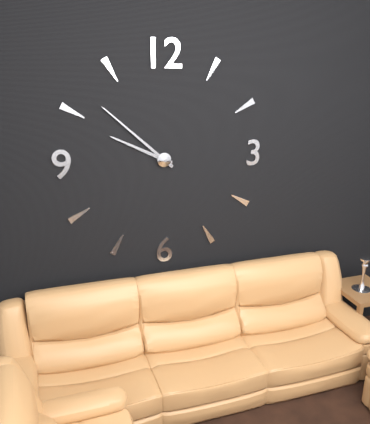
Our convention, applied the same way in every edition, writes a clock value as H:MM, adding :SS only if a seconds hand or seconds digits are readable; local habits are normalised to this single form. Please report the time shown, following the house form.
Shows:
9:52
